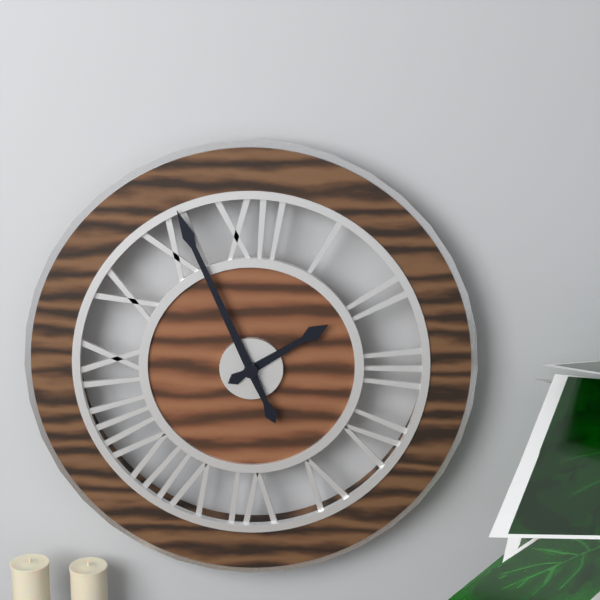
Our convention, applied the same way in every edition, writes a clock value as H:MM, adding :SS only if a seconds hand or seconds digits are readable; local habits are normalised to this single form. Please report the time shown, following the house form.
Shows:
1:56
